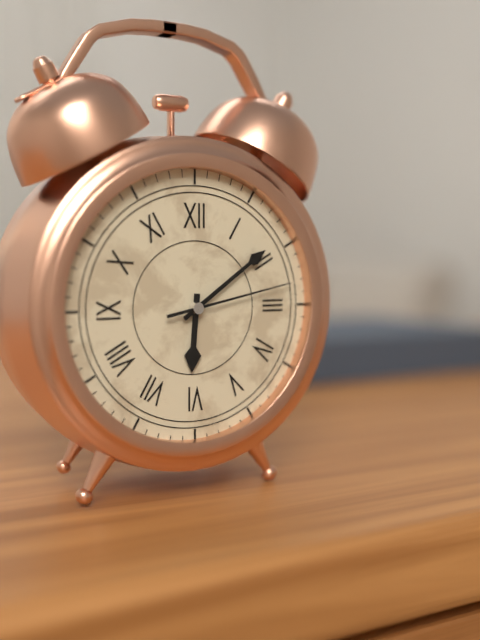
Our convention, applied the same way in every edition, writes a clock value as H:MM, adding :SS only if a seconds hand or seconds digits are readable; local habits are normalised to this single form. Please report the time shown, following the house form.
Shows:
6:09:13
